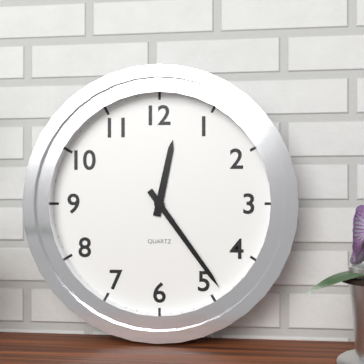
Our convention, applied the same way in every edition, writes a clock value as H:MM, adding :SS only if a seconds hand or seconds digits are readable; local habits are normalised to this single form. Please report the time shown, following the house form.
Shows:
12:24
